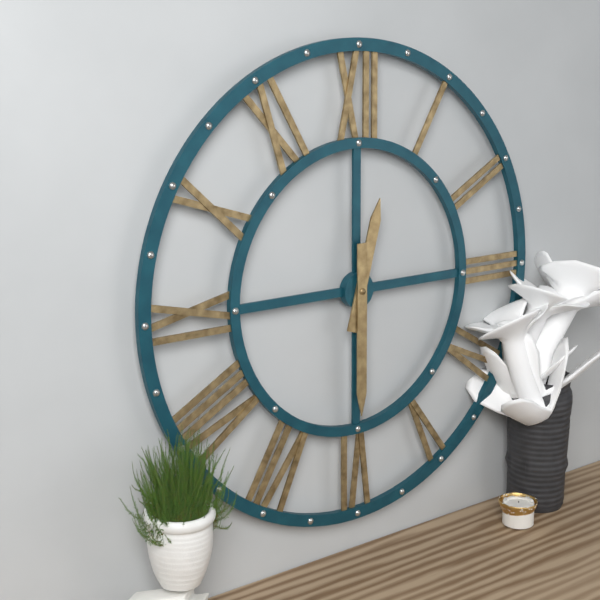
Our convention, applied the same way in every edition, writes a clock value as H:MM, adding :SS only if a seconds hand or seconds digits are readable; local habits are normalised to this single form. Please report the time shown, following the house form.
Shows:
12:30
